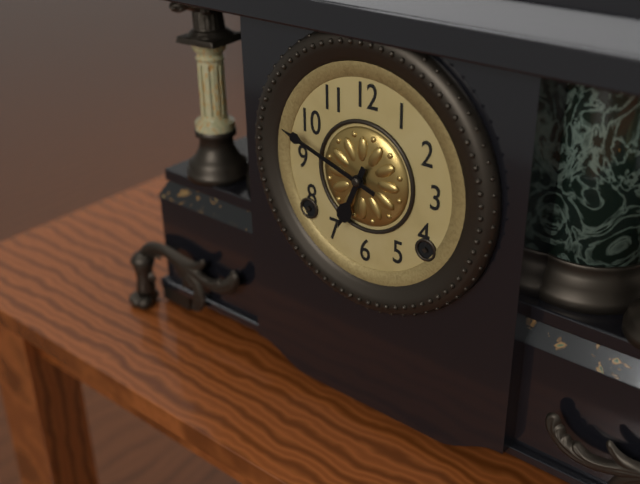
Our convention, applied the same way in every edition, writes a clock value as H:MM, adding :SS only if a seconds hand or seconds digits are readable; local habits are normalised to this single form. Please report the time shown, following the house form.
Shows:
6:48
